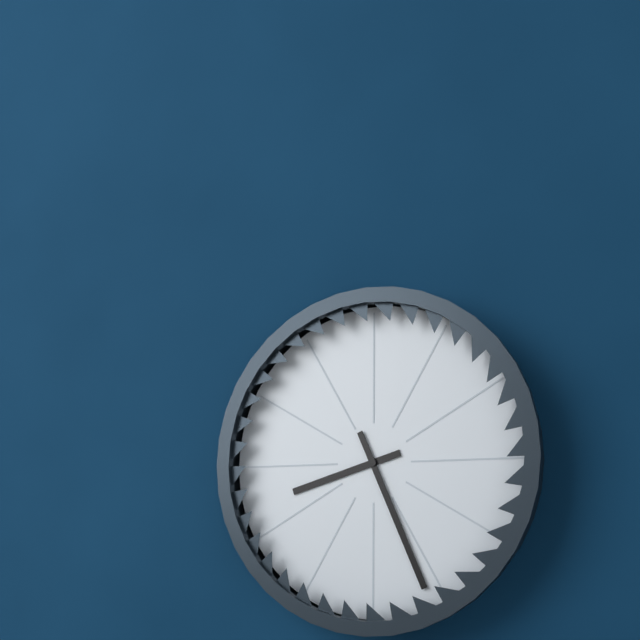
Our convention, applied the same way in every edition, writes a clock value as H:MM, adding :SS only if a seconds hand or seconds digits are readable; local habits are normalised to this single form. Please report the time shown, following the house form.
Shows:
8:26
